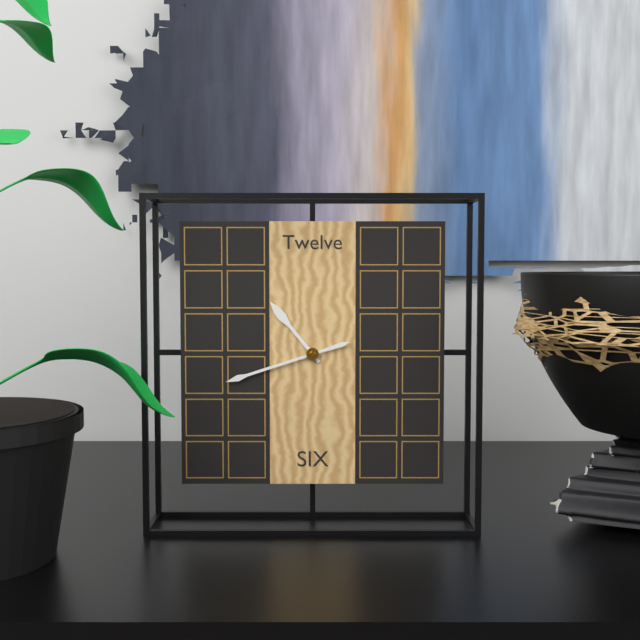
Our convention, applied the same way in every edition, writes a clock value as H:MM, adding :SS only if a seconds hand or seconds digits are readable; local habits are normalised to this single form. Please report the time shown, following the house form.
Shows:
10:42
